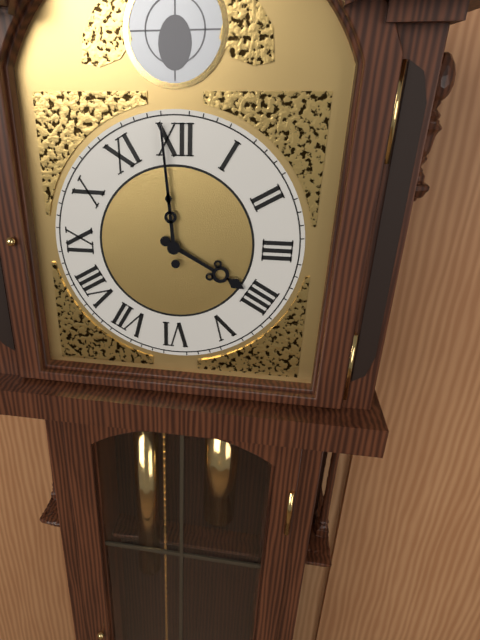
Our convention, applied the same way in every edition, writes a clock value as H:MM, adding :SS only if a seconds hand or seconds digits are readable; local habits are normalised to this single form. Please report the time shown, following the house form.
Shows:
3:59
